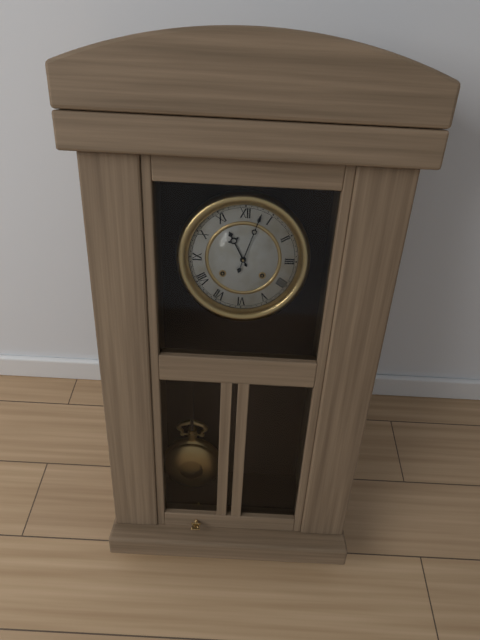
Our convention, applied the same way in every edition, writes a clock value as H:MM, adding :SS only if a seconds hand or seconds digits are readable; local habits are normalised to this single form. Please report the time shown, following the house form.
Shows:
11:03
